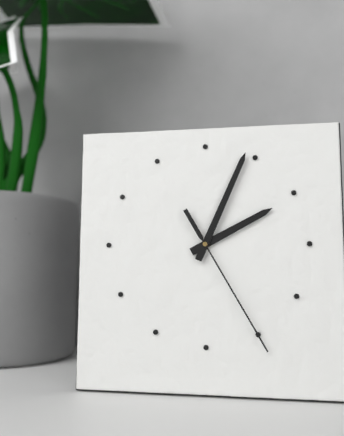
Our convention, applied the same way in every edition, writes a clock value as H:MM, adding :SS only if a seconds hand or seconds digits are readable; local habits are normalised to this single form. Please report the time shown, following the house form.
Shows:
2:04:25
